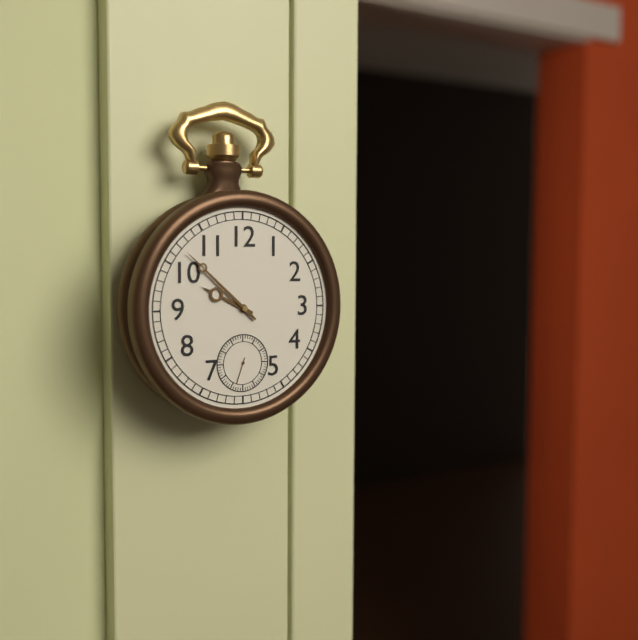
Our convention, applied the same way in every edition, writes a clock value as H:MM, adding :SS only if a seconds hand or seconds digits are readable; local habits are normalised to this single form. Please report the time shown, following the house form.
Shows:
9:52
